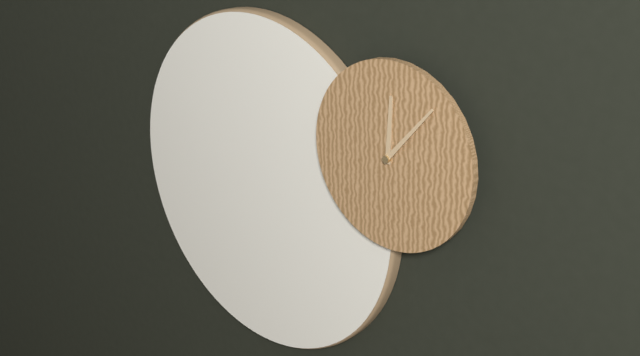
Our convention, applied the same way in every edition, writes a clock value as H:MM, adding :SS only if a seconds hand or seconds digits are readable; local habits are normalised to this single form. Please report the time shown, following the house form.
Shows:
12:07
